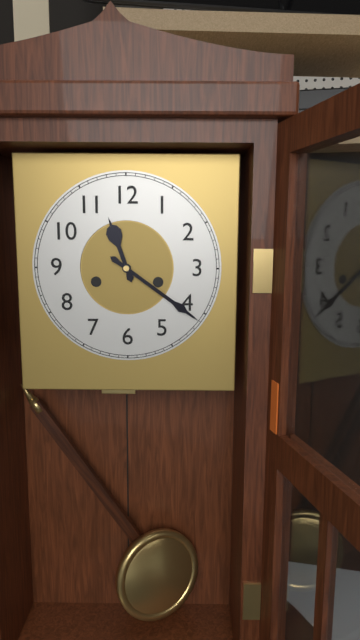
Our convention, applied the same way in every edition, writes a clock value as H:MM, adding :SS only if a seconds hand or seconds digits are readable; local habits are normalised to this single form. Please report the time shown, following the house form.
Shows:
11:21
